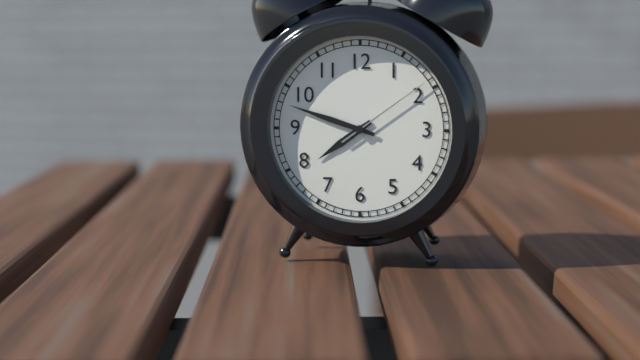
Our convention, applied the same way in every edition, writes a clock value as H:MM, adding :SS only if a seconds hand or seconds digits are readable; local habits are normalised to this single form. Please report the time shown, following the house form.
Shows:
7:48:09
